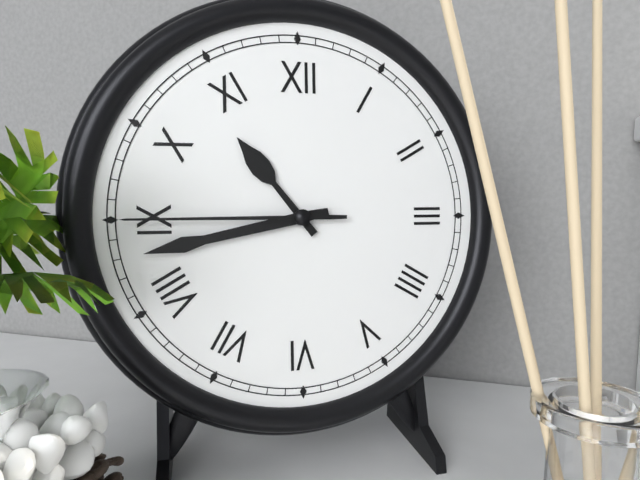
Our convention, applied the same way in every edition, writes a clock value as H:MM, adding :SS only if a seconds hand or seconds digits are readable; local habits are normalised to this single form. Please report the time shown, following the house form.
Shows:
10:43:45
